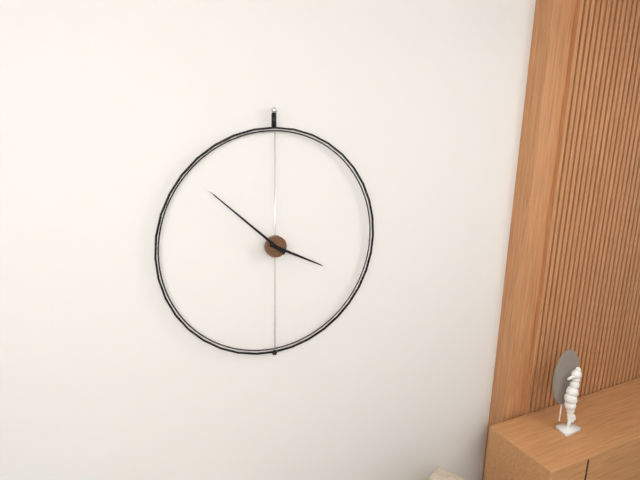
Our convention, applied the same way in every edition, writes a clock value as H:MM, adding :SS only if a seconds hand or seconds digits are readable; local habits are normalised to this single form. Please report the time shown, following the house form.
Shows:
3:52
